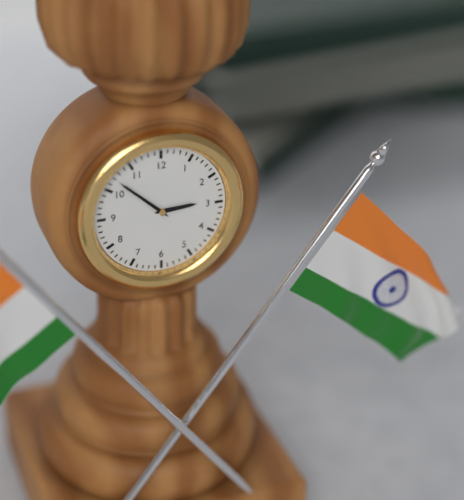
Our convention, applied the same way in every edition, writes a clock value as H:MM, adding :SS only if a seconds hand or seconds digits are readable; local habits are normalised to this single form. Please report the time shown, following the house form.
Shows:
2:52
